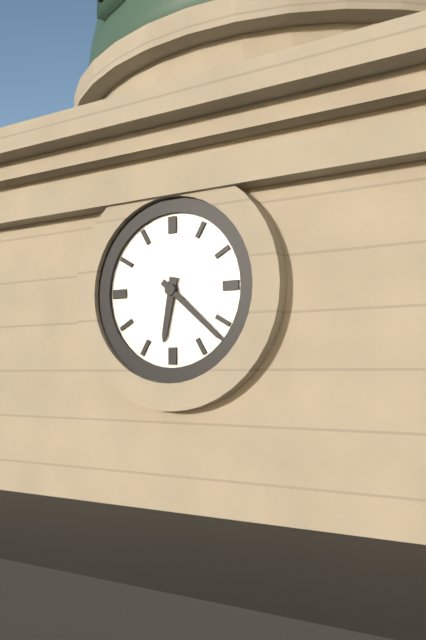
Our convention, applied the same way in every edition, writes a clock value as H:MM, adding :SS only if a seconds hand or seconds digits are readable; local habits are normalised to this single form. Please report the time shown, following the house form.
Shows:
6:22
